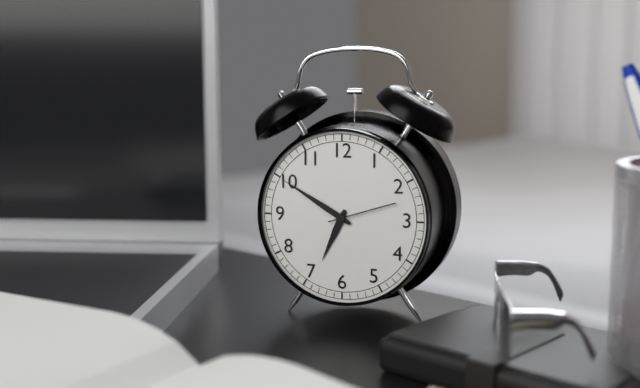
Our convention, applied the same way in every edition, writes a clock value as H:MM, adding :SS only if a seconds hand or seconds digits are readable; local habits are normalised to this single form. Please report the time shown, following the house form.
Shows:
6:50:12
